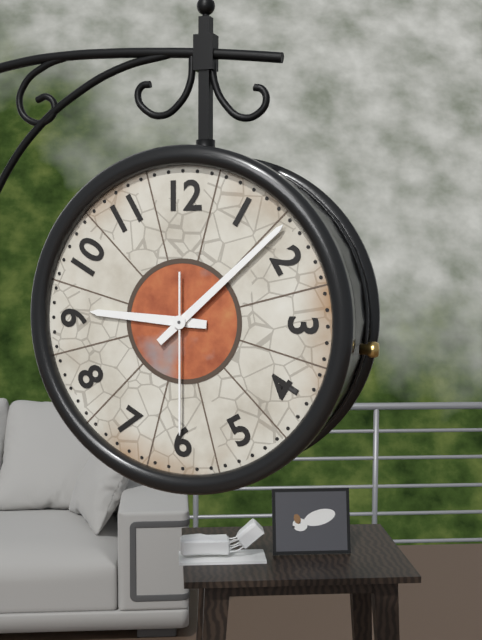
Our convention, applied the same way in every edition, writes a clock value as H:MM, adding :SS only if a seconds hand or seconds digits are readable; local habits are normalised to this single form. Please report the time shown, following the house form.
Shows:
9:08:30
